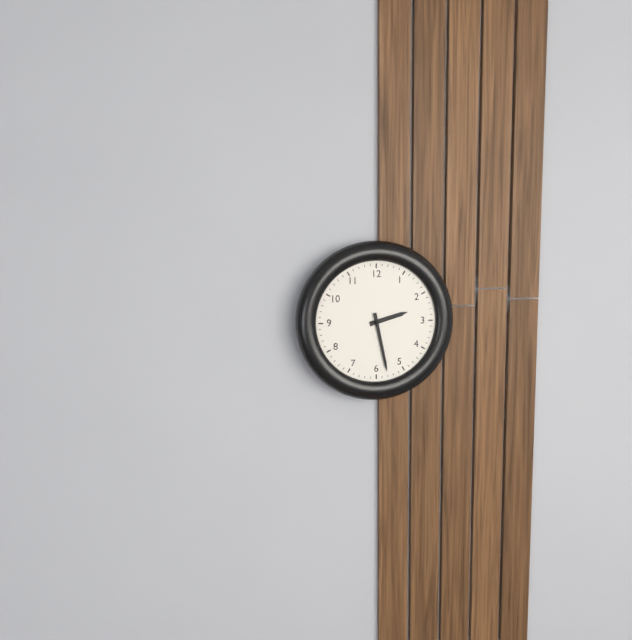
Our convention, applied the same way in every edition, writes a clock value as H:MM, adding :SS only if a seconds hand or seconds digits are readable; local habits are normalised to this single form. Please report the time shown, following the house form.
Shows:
2:28
